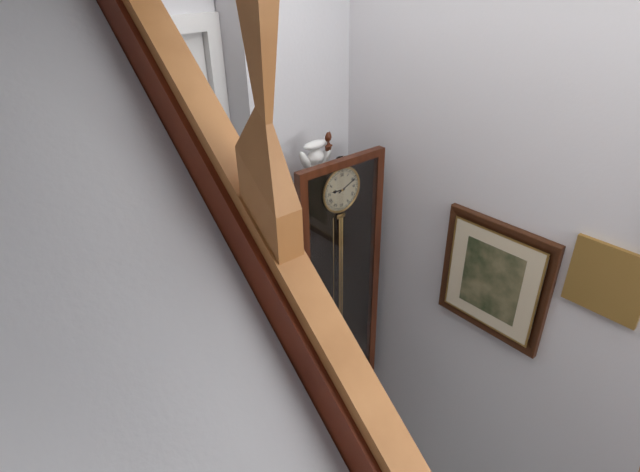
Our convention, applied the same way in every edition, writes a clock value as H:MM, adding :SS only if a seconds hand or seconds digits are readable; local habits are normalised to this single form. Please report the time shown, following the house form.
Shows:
9:11
